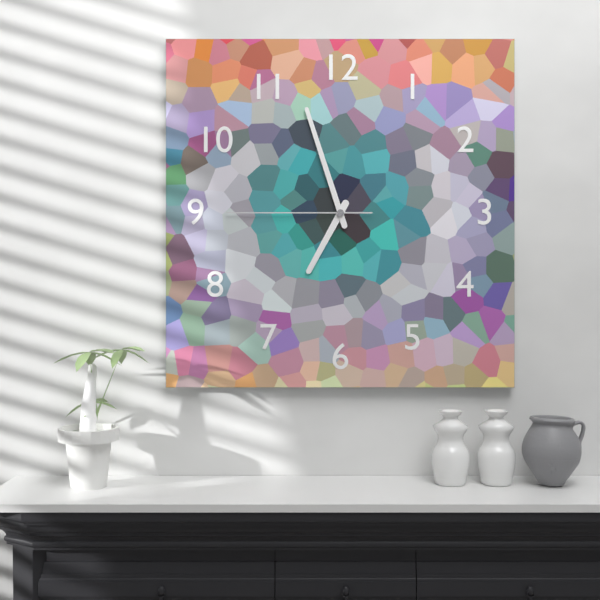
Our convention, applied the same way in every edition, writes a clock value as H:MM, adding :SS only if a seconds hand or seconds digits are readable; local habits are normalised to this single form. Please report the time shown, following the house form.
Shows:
6:57:45
